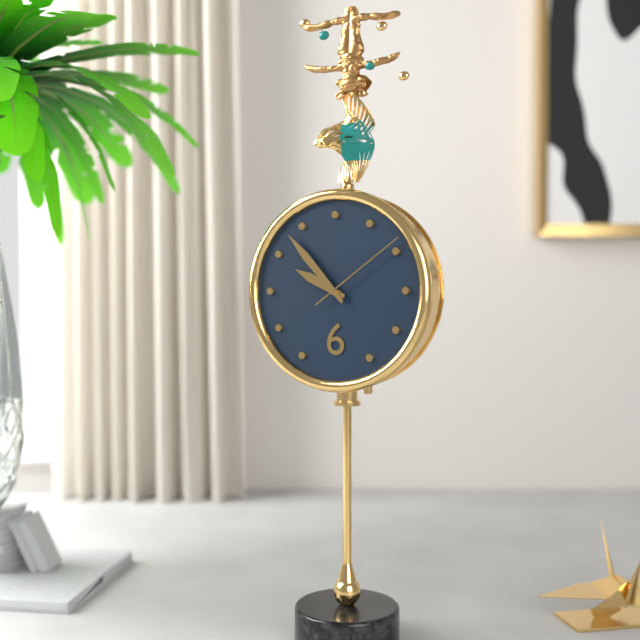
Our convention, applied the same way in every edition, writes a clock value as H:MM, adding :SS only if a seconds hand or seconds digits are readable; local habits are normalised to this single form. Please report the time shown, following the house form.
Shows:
9:53:09
